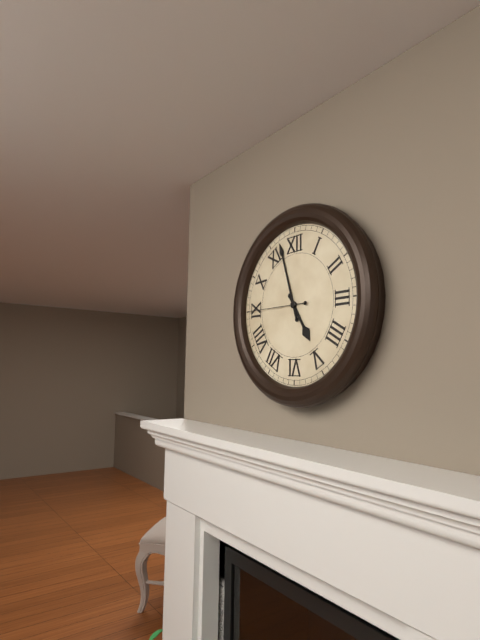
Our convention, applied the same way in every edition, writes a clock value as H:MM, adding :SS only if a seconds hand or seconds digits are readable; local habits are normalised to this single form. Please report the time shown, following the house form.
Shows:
4:57:45
